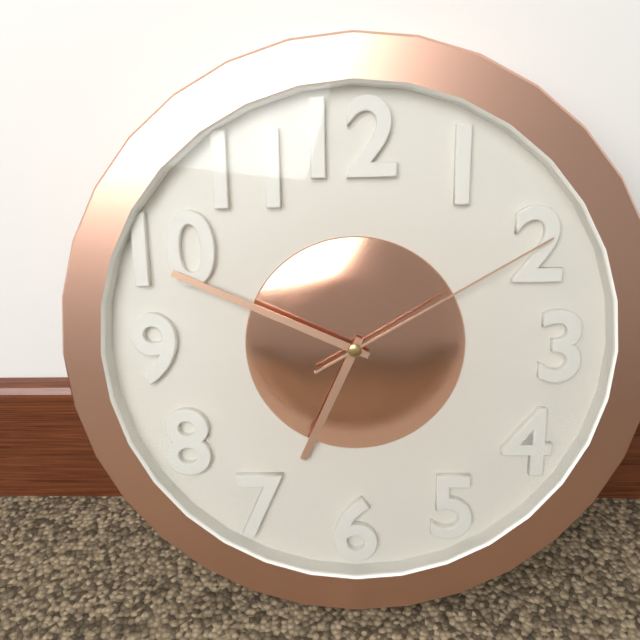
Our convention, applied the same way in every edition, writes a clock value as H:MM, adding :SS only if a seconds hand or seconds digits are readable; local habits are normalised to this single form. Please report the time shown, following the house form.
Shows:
6:49:10
